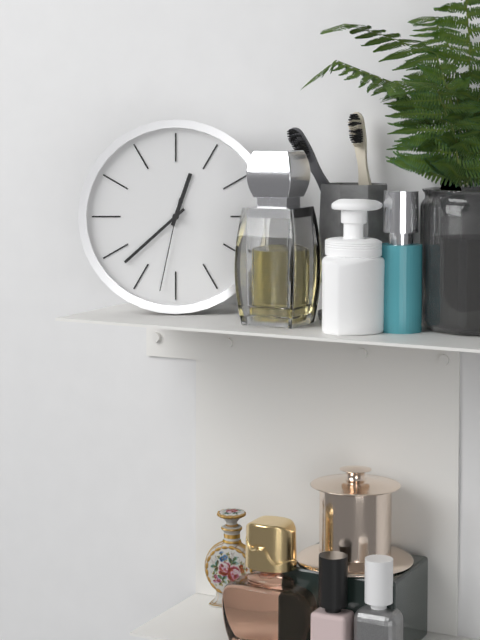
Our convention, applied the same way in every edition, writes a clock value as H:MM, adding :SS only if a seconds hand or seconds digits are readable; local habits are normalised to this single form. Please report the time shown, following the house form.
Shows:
12:38:32
